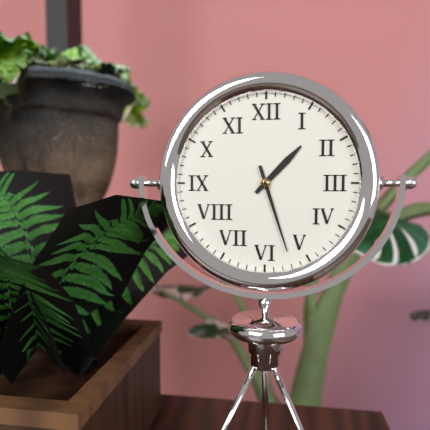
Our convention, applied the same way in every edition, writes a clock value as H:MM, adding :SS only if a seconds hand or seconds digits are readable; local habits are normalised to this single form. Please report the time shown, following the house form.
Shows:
1:27
